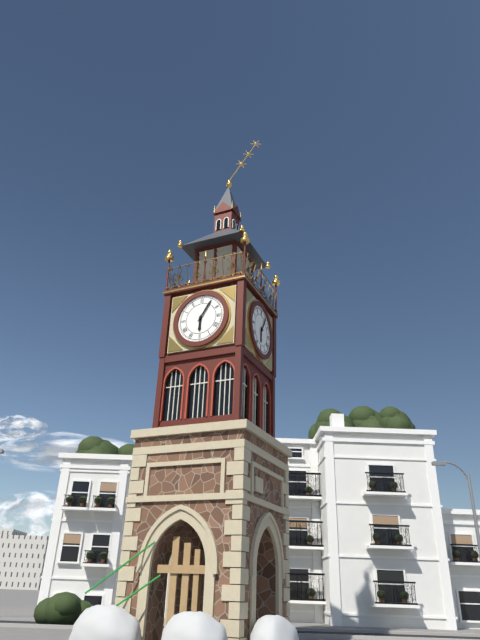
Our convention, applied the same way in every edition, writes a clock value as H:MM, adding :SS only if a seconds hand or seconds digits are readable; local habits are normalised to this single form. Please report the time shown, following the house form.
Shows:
6:05
